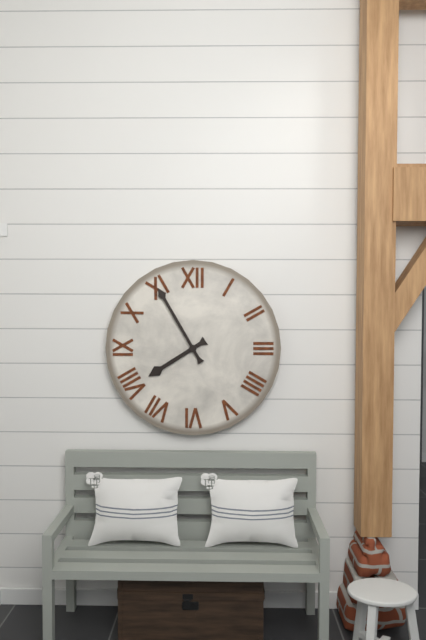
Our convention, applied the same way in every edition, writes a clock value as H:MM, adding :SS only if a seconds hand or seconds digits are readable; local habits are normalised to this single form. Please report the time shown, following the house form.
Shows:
7:55
